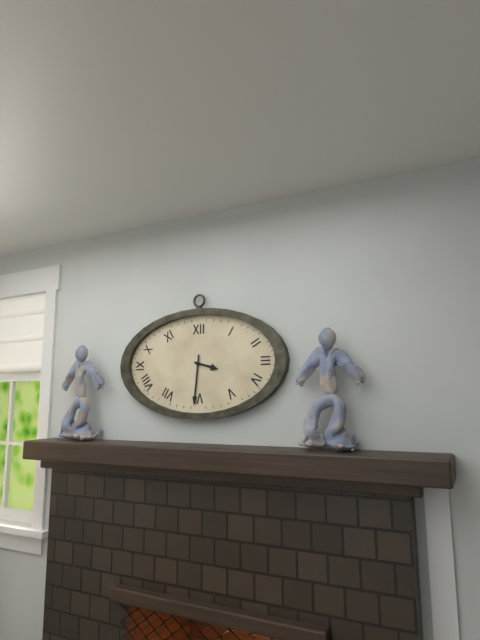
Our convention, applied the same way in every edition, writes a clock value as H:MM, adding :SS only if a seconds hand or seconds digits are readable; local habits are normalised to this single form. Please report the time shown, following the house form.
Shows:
3:31
